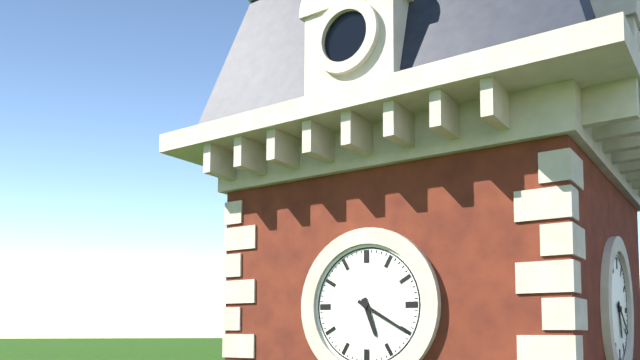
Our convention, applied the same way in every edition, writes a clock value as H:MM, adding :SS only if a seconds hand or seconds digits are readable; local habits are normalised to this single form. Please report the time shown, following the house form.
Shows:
5:20
